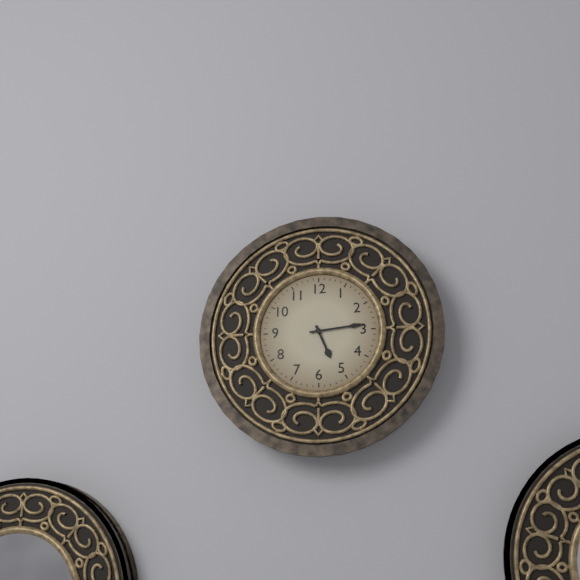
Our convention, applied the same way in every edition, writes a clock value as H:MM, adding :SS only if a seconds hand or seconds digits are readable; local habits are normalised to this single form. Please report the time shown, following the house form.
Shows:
5:14
